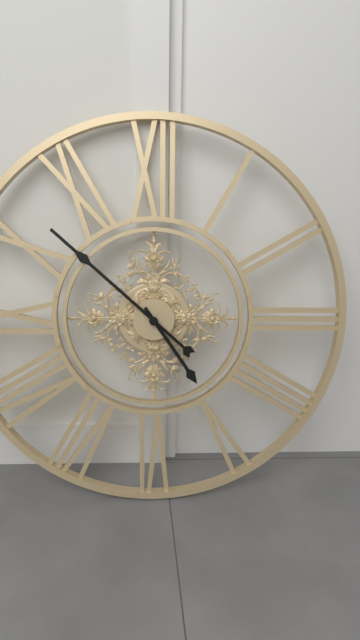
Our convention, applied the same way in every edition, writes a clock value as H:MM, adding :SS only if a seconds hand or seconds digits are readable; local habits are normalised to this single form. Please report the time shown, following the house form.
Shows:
4:52
